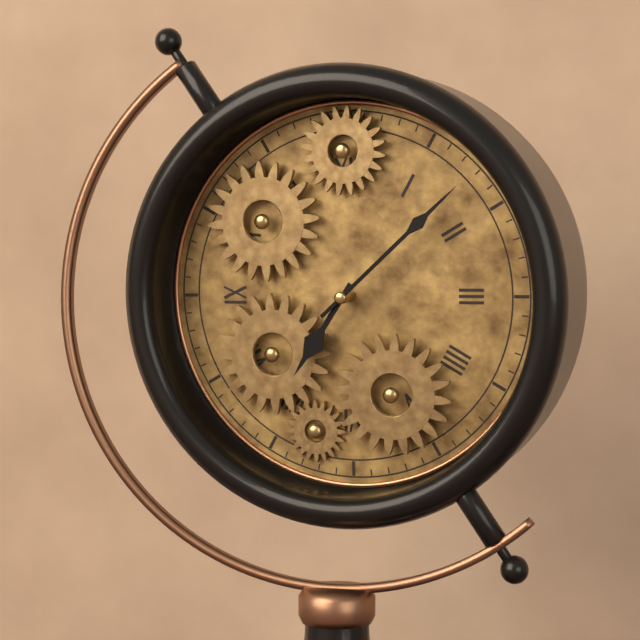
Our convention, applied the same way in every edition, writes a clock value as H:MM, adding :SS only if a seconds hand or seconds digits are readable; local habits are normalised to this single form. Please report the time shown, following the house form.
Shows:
7:08
